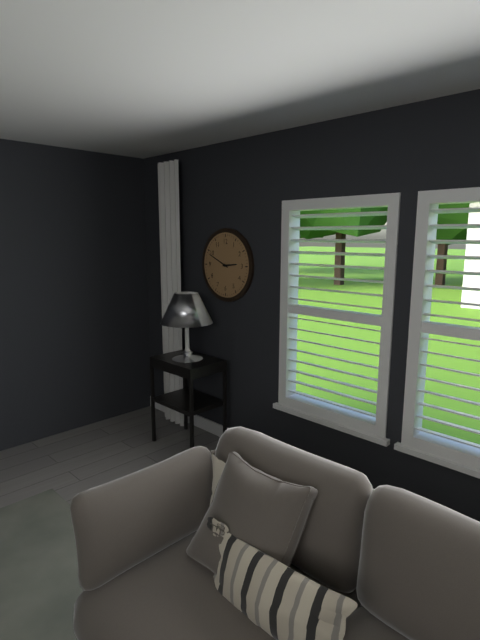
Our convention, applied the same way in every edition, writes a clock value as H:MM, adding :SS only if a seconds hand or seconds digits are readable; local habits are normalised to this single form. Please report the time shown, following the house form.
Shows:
2:49
